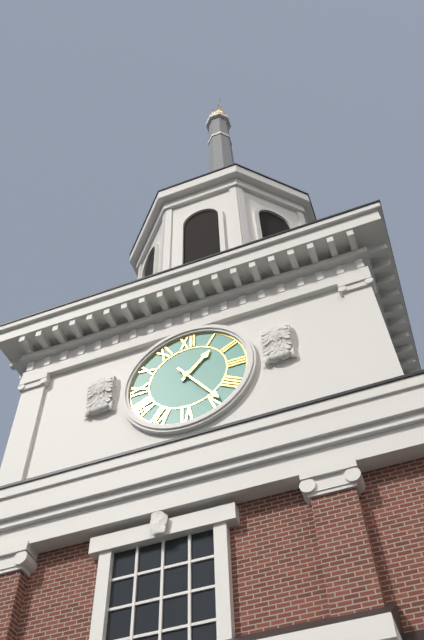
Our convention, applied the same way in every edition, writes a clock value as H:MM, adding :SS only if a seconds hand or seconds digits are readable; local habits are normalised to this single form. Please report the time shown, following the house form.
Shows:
1:24
